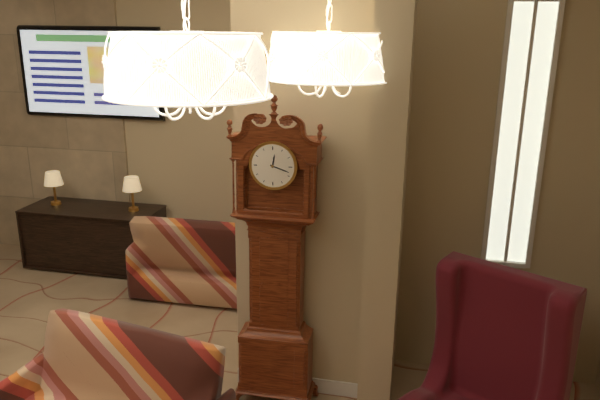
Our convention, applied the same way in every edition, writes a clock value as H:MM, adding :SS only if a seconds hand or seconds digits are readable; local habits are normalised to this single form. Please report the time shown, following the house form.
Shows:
12:18
